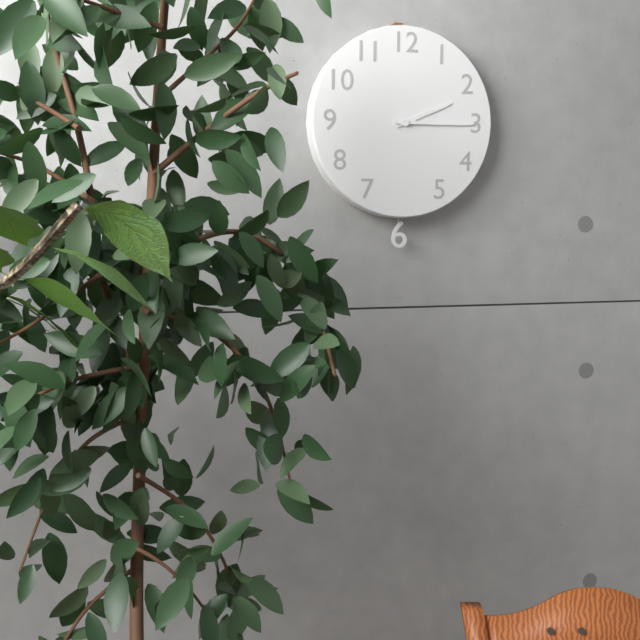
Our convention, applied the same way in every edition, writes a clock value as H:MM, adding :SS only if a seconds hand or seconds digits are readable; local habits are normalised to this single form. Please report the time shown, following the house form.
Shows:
2:15
